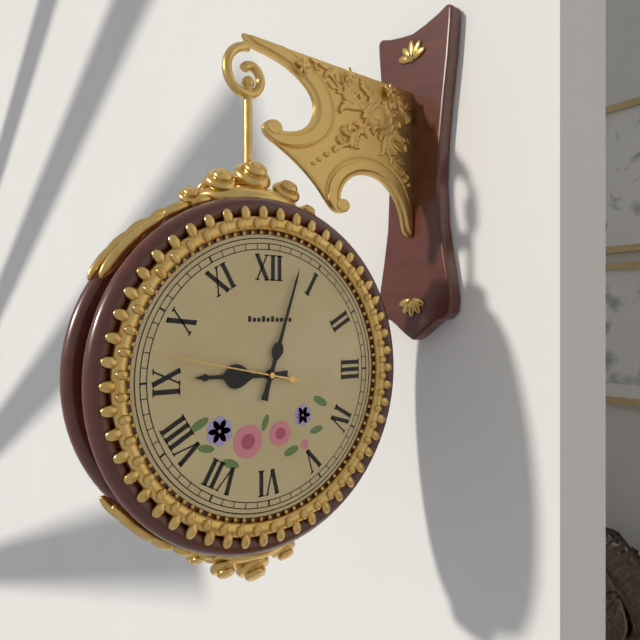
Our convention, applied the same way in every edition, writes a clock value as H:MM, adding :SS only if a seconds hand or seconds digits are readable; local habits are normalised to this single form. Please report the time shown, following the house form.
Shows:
9:03:47
